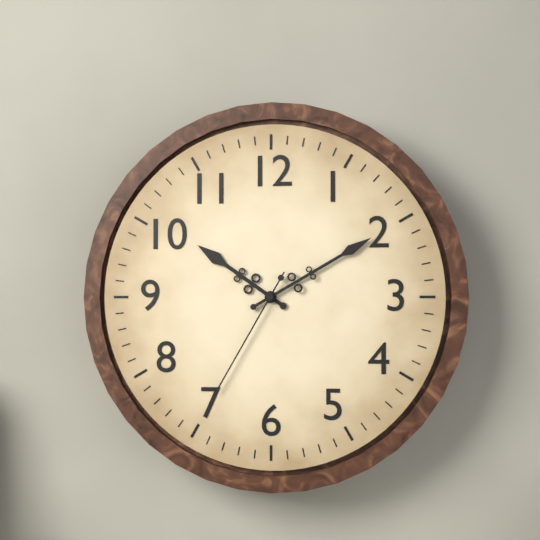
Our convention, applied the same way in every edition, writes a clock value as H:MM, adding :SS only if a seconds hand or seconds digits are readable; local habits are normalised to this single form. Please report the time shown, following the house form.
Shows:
10:10:35
